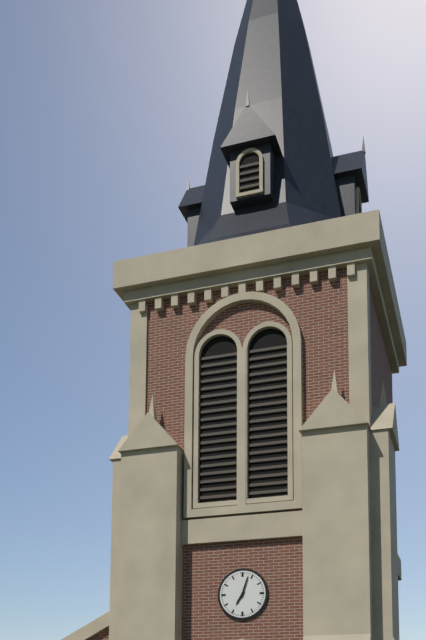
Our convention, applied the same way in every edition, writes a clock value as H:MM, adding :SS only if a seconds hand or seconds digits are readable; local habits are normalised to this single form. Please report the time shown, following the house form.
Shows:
7:03
